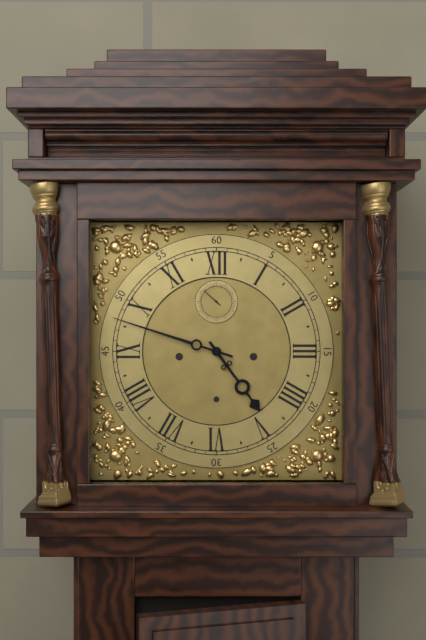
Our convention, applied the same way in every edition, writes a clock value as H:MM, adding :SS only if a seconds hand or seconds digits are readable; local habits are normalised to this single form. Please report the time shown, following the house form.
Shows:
4:48
